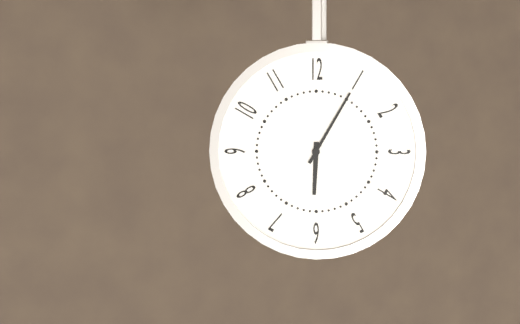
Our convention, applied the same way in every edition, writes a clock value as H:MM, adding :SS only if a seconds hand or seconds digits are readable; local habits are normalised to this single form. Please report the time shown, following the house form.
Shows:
6:05
